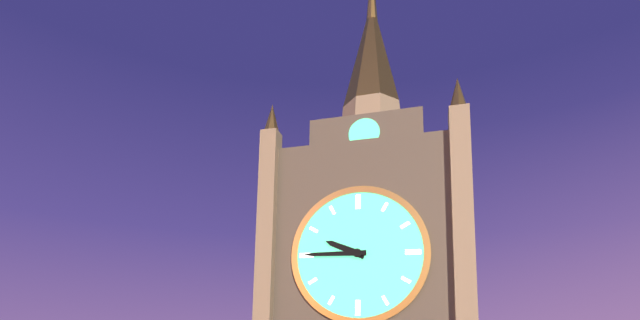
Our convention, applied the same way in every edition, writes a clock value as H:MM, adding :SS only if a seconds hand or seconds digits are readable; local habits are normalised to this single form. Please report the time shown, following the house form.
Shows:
9:45
